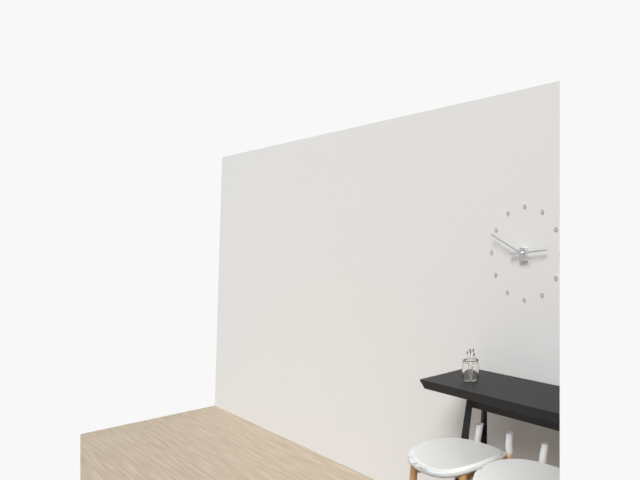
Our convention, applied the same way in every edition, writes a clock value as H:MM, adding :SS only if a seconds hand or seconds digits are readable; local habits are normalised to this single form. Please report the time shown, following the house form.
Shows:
2:49
